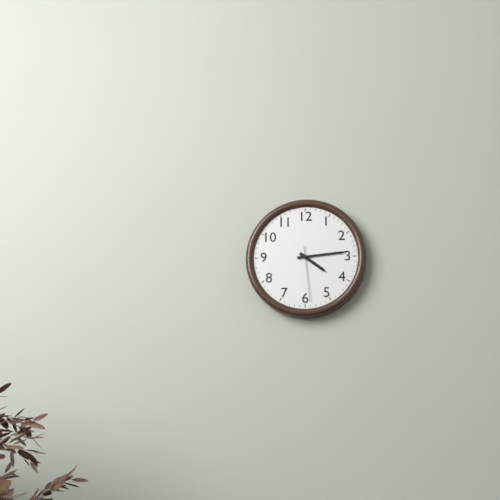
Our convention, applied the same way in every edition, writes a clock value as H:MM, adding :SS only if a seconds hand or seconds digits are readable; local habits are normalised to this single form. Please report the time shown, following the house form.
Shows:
4:14:29
